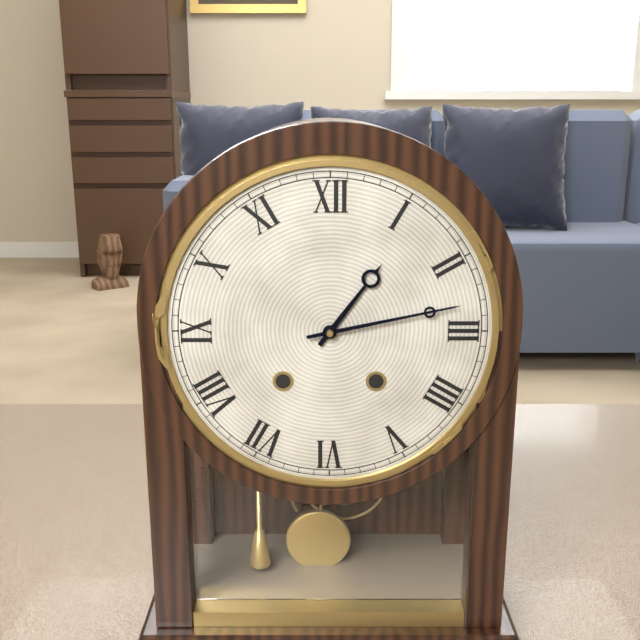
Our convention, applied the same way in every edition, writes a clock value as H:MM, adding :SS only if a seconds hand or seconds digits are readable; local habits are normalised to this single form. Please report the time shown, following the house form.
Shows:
1:13
